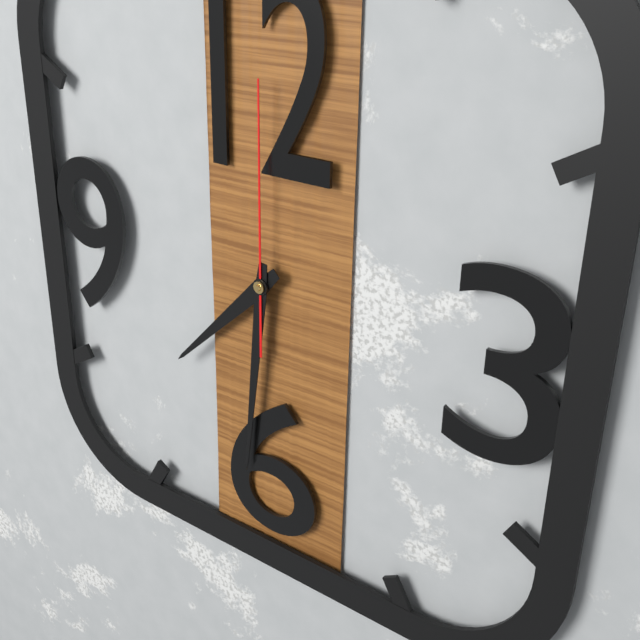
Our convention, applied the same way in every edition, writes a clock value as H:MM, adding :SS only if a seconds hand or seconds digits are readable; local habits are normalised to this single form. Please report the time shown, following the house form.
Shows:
7:31:00
